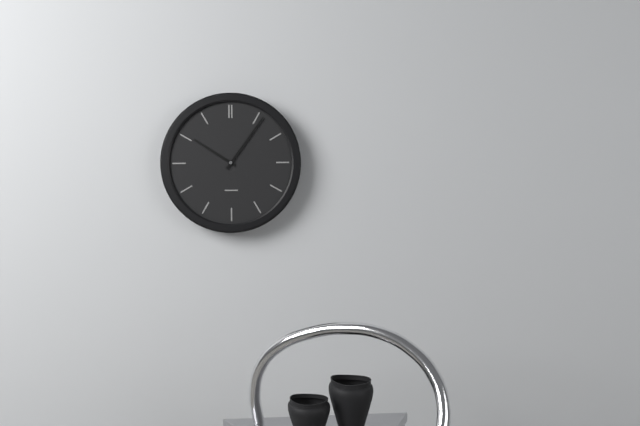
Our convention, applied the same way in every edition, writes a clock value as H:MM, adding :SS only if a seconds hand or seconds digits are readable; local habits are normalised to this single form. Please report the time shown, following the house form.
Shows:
10:06
